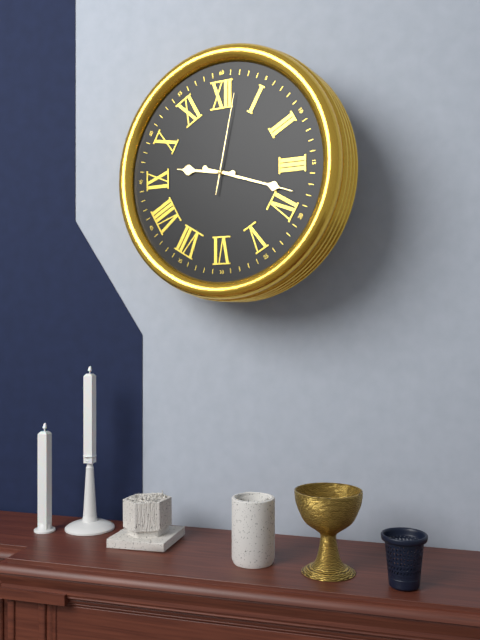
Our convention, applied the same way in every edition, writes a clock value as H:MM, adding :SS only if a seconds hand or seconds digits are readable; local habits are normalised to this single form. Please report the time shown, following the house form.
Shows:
9:18:02
